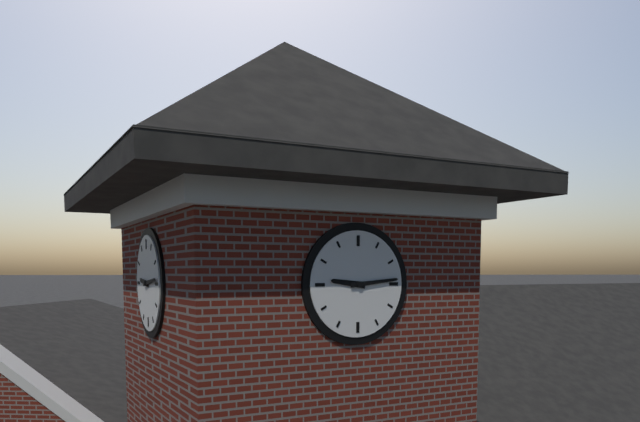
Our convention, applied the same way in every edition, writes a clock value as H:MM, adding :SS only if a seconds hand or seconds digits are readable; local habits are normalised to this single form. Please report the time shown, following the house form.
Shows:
9:14
